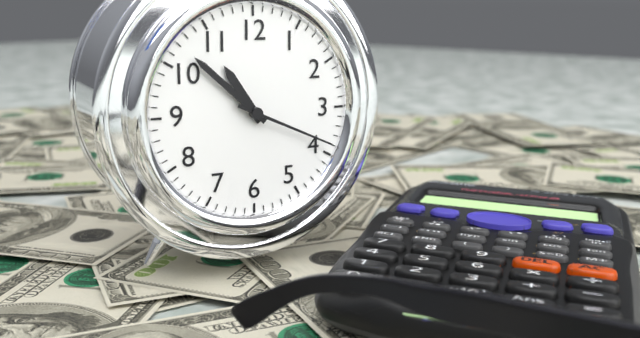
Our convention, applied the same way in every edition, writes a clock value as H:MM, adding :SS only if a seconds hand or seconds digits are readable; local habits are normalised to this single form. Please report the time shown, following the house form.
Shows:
10:52:19
